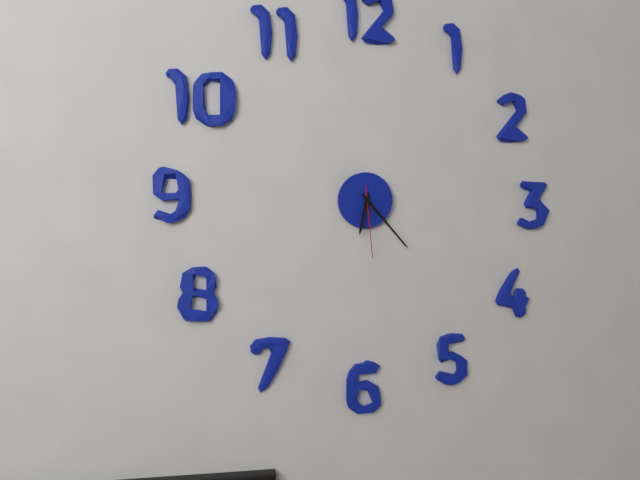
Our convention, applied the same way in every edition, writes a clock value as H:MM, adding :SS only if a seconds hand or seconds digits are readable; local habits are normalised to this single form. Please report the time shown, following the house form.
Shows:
6:23:29
